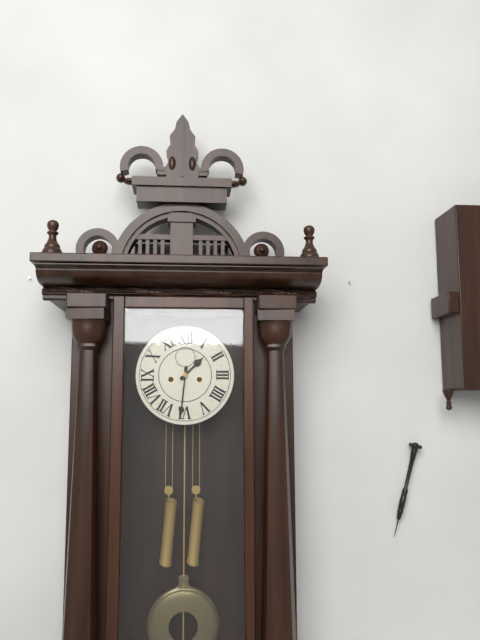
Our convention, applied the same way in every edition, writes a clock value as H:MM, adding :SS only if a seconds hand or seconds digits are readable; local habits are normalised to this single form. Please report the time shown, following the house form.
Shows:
1:31
